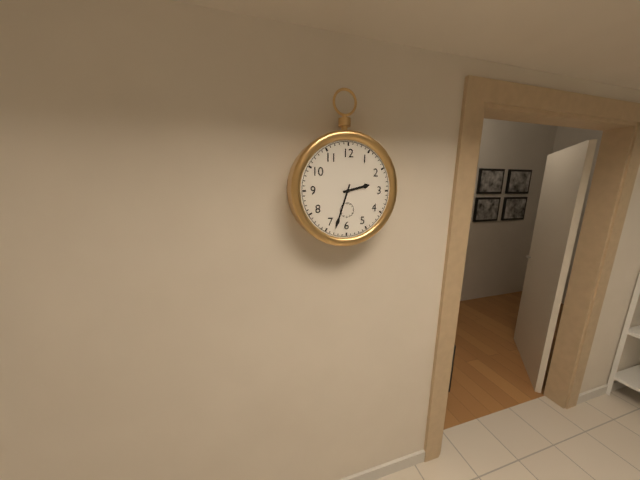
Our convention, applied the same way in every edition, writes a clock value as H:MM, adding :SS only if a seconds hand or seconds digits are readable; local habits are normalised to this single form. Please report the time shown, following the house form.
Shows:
2:33
